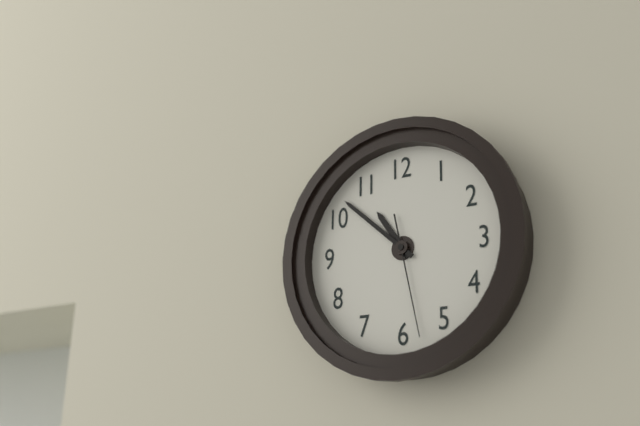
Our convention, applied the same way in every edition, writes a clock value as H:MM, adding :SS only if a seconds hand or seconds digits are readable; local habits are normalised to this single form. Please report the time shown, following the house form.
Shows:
10:52:28
